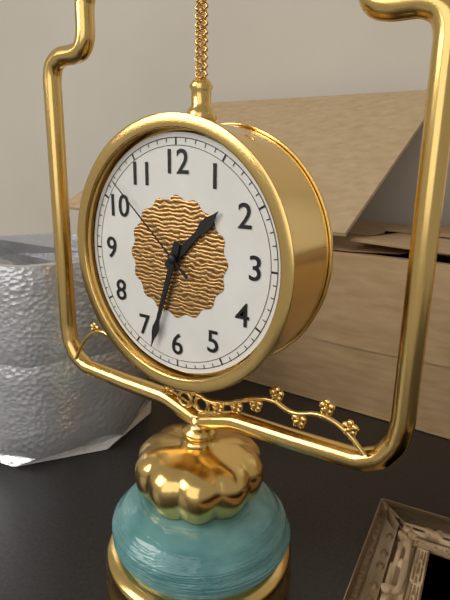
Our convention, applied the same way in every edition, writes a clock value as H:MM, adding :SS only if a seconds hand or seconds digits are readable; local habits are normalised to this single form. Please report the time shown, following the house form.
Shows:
1:33:52
